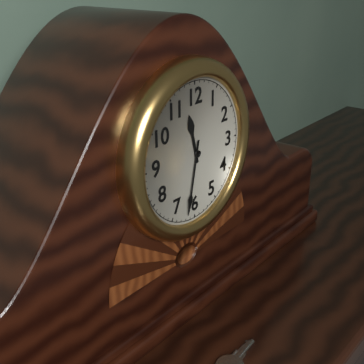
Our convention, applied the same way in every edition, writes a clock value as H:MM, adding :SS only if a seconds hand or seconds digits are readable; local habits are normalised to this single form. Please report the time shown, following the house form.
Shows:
11:32
